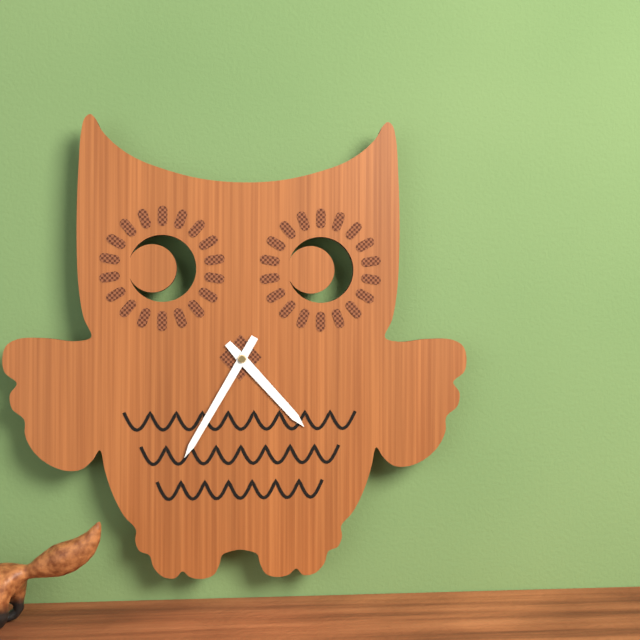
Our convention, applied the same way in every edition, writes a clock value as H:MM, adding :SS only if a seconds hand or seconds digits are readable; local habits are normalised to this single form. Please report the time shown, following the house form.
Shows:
4:35
